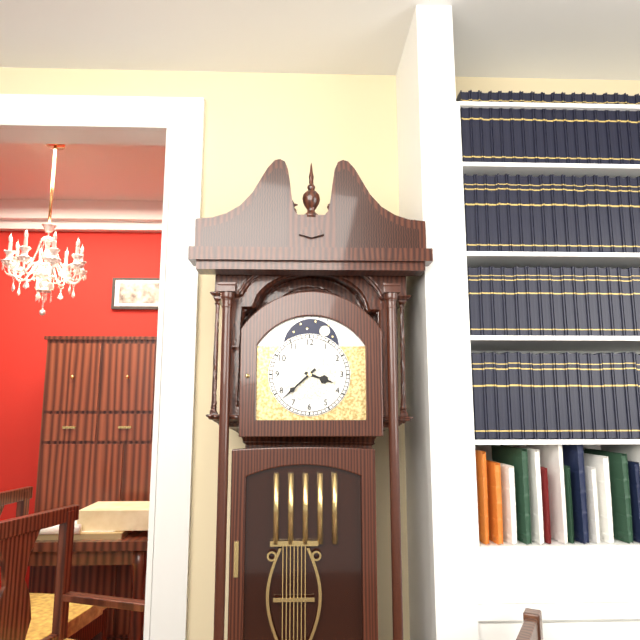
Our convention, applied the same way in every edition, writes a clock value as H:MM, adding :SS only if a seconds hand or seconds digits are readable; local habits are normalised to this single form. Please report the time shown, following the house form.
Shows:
3:38
